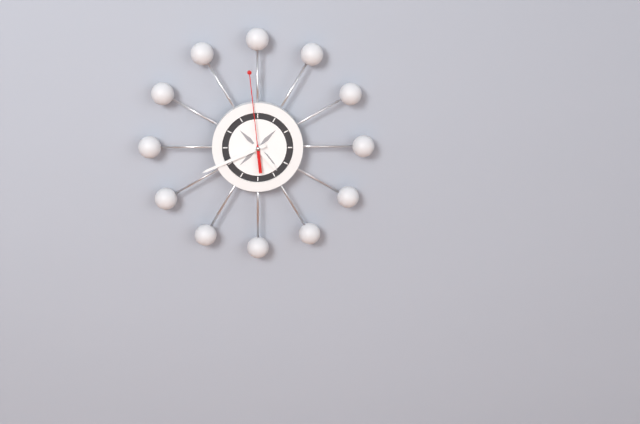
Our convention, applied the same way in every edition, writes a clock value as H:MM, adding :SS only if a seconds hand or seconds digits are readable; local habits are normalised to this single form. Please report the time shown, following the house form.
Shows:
4:41:59
